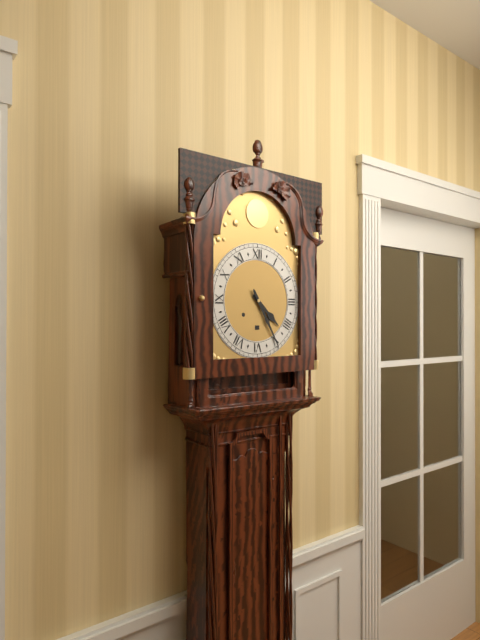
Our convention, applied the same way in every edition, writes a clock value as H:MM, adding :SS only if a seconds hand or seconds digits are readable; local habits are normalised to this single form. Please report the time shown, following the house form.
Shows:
4:25
